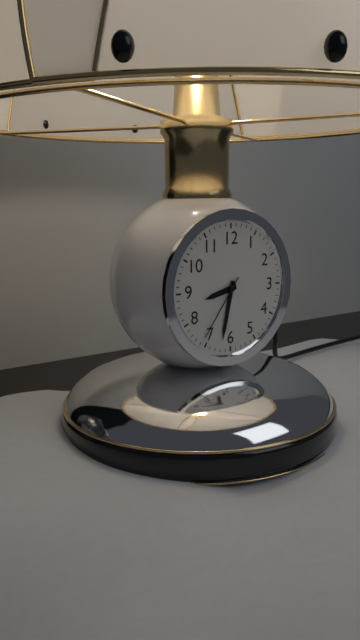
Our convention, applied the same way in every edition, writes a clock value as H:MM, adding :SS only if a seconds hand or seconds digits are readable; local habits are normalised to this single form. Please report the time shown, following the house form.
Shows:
8:32:36
